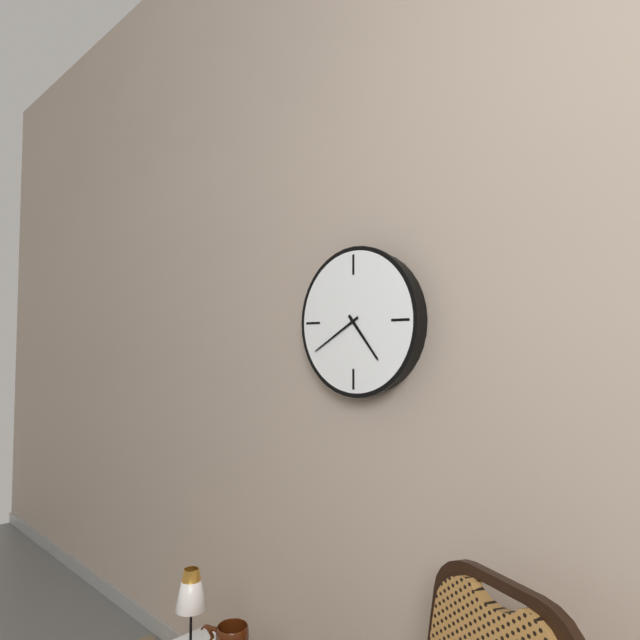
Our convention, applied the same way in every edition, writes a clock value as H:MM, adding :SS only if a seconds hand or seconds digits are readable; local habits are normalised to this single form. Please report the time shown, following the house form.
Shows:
4:40
